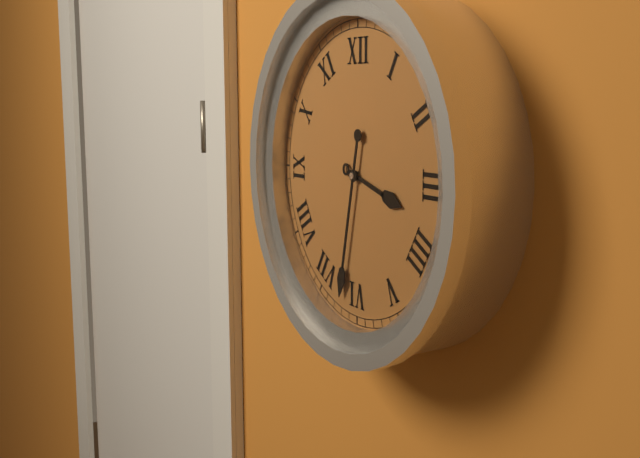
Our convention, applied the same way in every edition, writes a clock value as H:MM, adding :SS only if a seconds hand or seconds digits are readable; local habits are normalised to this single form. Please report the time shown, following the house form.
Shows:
3:32
